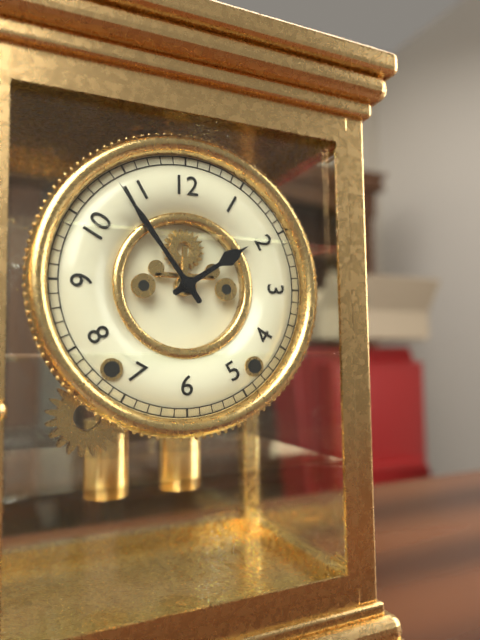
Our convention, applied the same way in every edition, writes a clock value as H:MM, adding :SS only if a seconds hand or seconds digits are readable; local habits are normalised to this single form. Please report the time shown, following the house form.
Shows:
1:54
